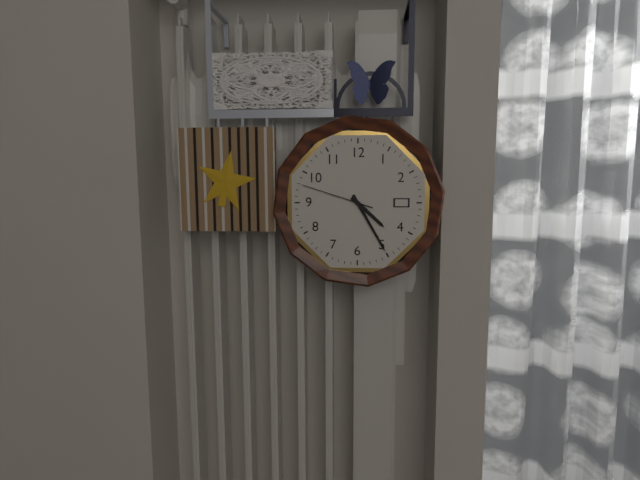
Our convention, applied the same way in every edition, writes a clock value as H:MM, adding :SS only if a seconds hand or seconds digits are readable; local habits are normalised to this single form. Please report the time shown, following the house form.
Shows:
4:25:48
